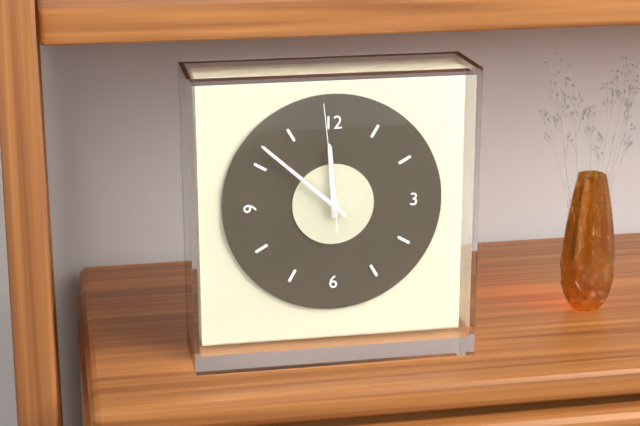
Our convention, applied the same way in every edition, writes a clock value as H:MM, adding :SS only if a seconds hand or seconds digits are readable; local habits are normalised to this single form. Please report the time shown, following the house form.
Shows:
11:52:59
